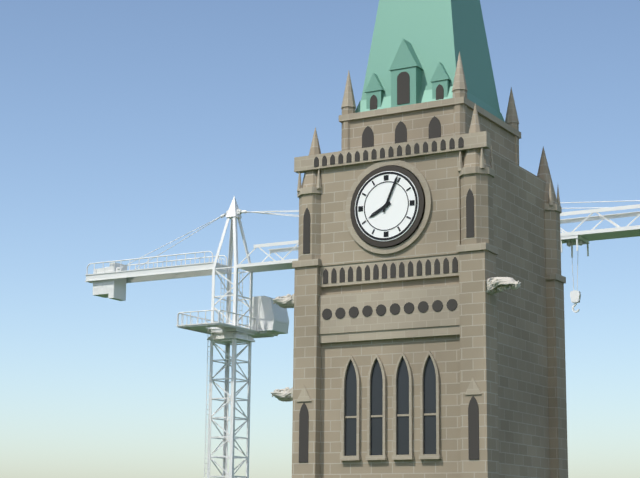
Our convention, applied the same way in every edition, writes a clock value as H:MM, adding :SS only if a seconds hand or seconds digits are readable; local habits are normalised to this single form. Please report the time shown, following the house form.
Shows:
8:04
